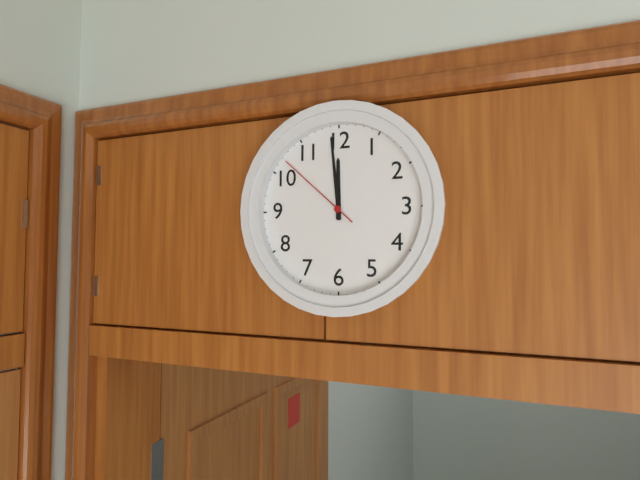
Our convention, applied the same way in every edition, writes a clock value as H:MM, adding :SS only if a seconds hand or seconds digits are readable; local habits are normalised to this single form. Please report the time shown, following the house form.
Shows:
11:59:52
